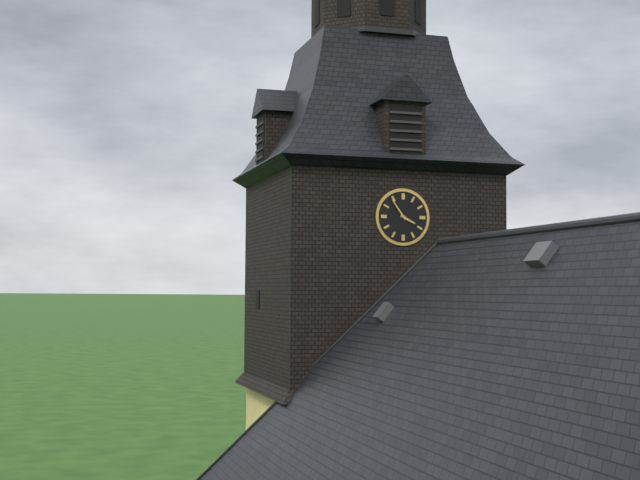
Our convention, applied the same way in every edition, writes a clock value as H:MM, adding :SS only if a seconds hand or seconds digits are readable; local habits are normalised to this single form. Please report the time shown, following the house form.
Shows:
3:54
